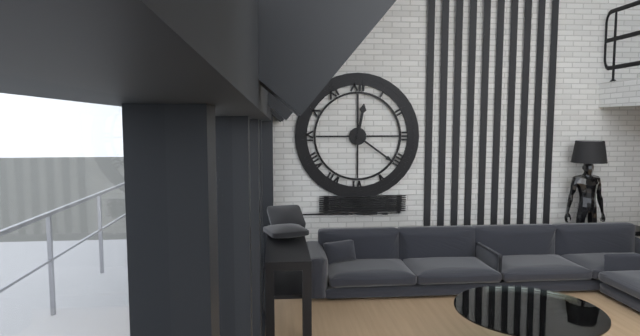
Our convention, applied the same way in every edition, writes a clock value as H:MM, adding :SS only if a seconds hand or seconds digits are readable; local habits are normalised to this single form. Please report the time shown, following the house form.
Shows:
12:21
